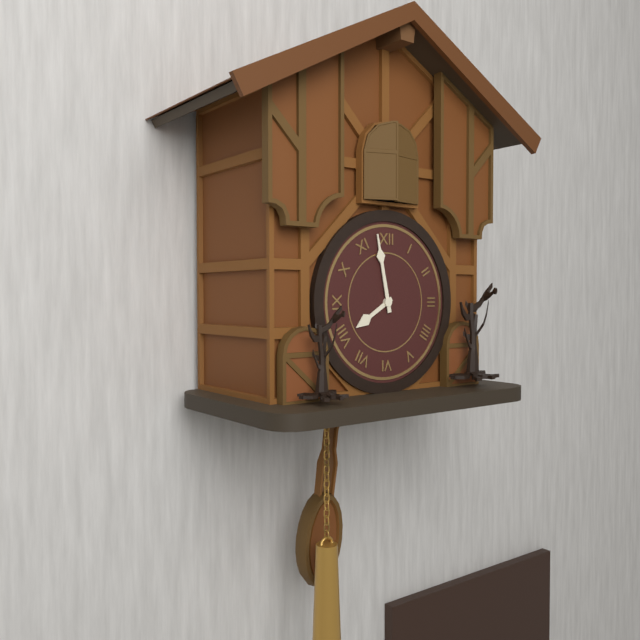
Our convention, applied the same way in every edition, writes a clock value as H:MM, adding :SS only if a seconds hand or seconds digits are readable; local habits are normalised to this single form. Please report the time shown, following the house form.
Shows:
7:58
